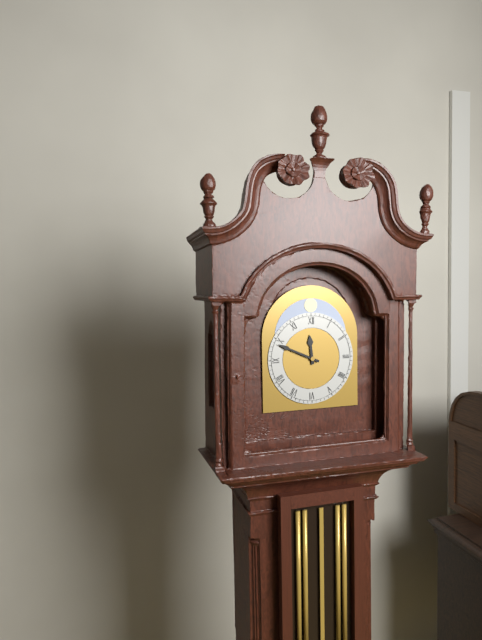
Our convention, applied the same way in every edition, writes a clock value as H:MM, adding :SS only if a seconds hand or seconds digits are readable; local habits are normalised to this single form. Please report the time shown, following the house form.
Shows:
11:49
